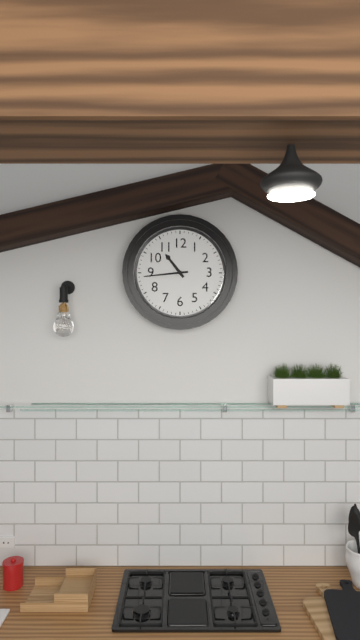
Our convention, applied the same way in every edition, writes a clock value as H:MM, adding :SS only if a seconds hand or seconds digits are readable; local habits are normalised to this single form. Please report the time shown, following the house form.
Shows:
10:44
